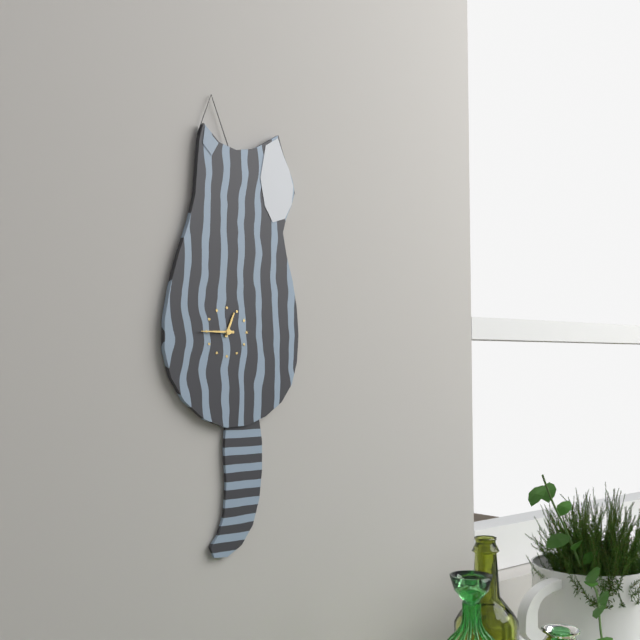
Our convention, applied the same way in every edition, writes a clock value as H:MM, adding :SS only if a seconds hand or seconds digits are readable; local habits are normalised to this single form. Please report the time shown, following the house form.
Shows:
12:45
